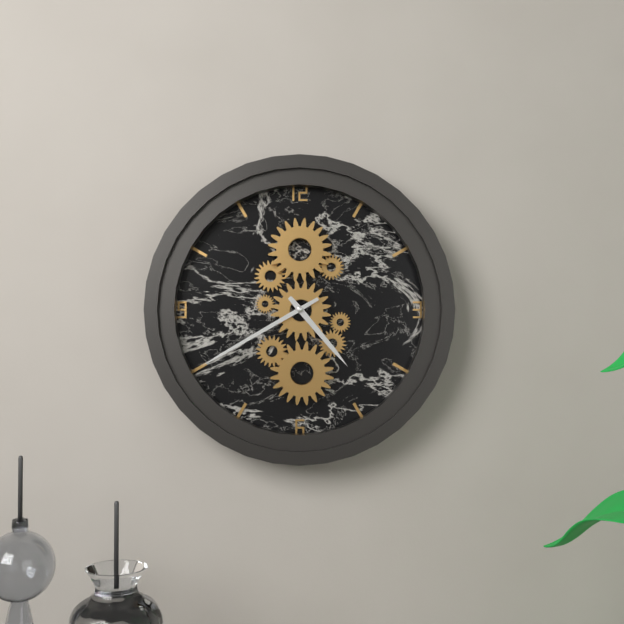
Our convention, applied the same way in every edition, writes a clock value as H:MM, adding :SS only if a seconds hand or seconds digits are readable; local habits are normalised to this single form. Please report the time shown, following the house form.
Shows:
4:40
